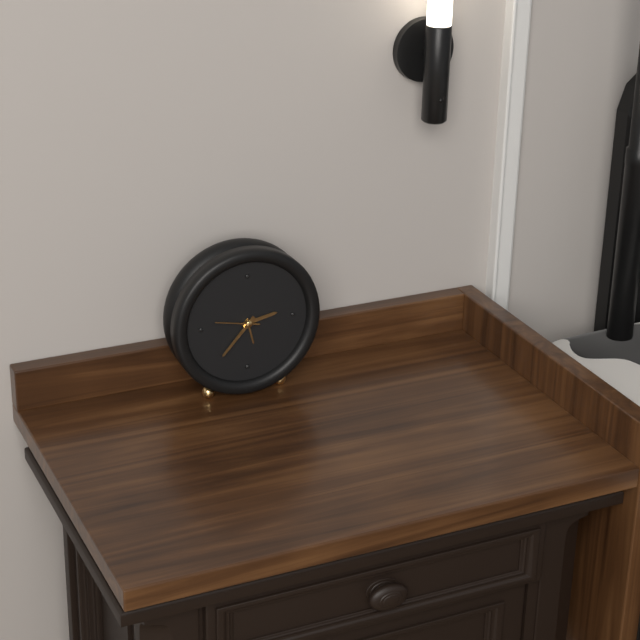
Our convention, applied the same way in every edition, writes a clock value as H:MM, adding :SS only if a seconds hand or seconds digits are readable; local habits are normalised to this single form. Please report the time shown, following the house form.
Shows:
2:37
